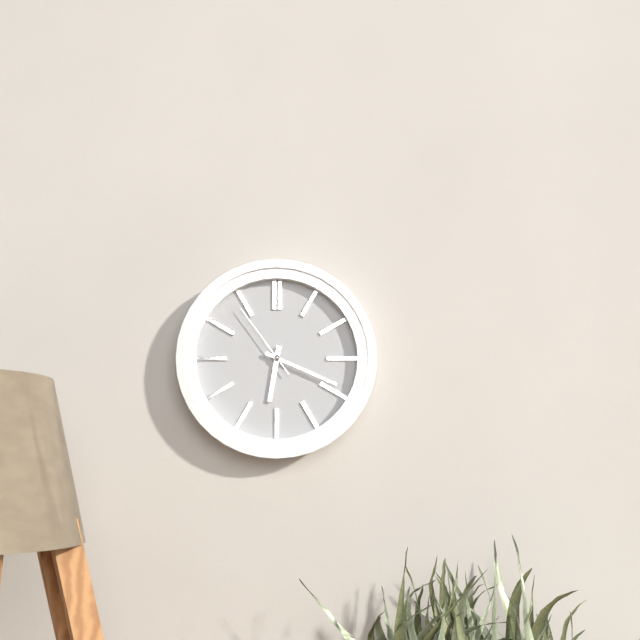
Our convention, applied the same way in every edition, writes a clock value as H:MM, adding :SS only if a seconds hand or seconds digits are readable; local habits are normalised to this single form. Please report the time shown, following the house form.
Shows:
6:19:54
